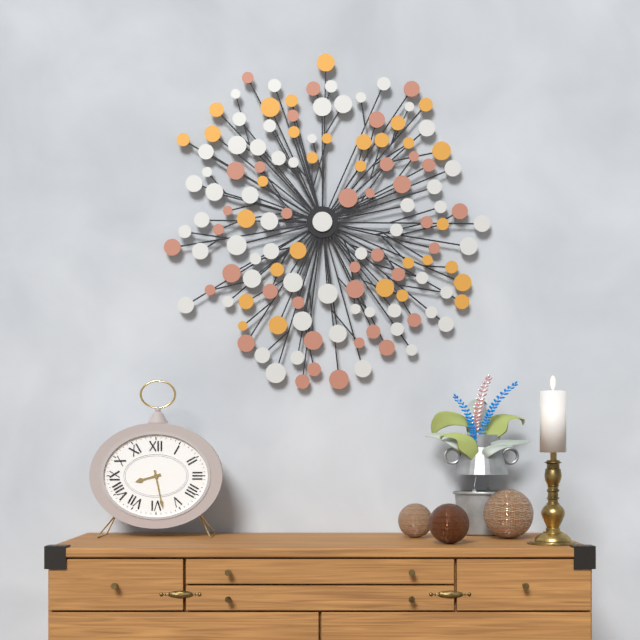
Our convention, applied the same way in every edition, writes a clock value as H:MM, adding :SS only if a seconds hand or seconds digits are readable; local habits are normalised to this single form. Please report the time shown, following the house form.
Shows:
8:28
